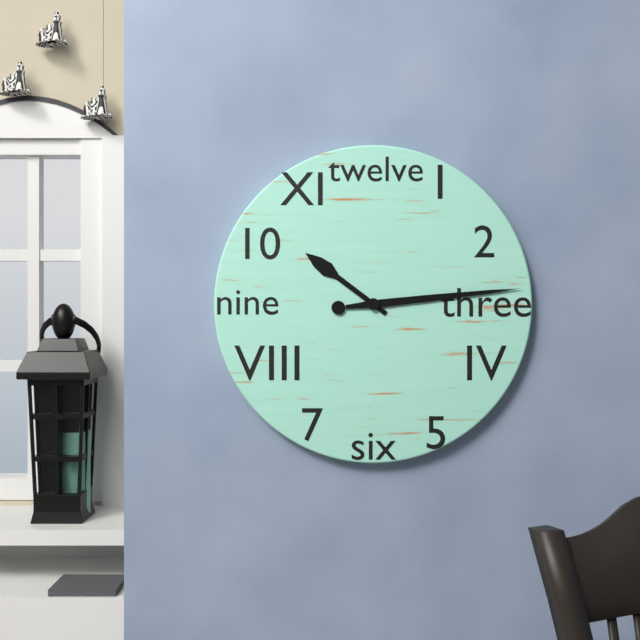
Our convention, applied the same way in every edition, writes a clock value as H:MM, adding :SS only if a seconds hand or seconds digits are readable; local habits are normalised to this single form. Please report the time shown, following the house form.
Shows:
10:14
